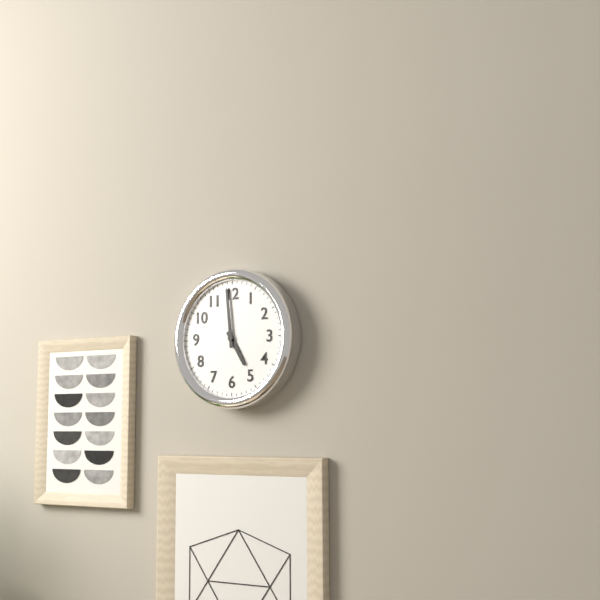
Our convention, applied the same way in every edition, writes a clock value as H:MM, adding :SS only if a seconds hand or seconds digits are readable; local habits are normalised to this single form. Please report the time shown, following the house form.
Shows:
4:59
